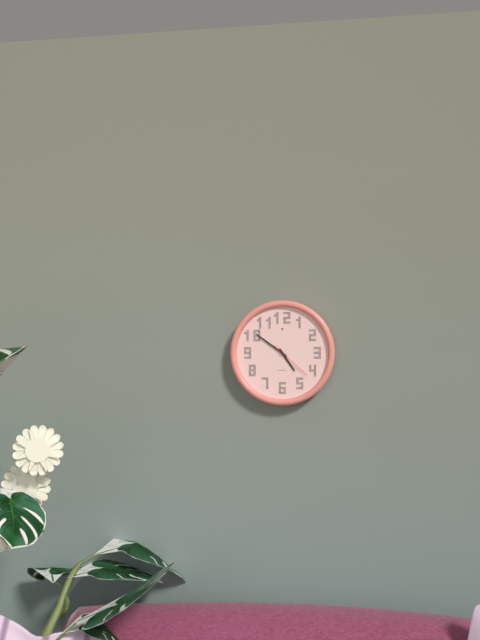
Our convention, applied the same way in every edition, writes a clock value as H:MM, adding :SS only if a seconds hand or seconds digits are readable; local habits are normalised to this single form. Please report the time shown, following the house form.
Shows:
4:51
